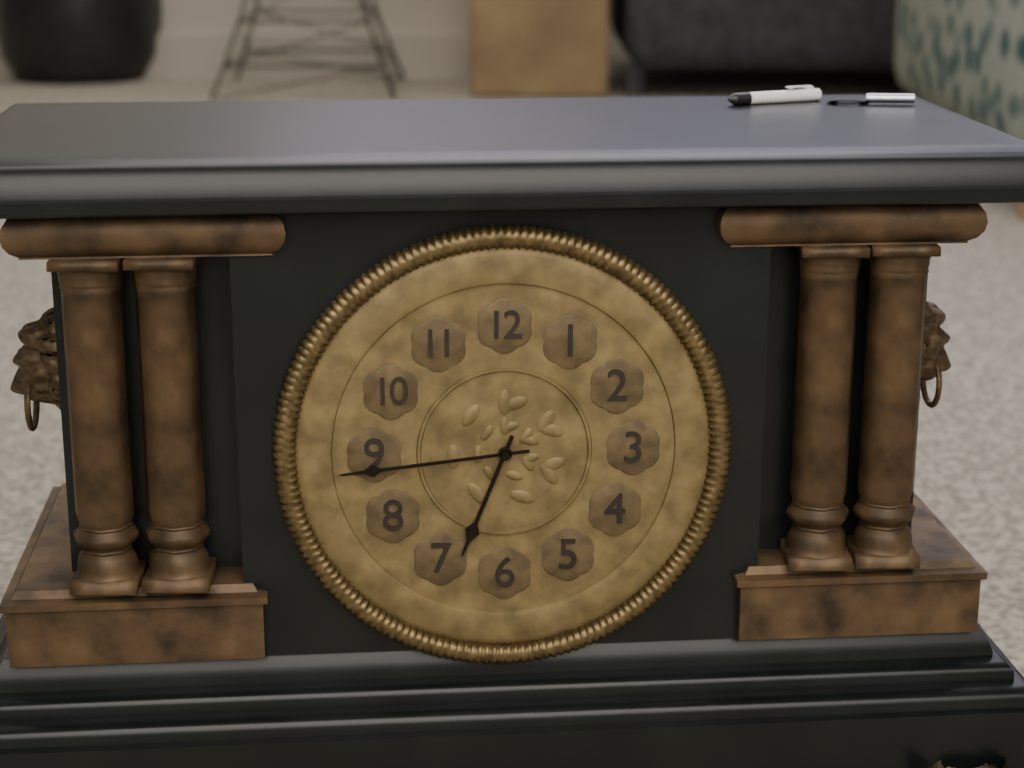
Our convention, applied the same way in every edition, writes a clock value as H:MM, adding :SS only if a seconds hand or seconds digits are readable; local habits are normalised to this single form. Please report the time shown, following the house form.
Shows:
6:44
